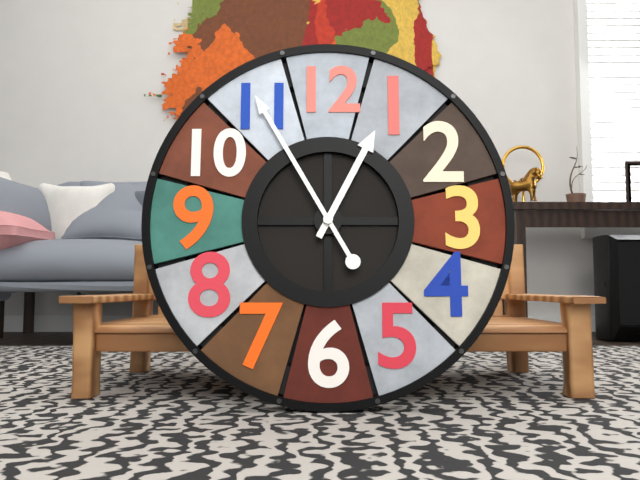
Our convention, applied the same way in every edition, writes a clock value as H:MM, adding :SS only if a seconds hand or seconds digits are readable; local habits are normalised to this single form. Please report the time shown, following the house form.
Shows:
12:55
